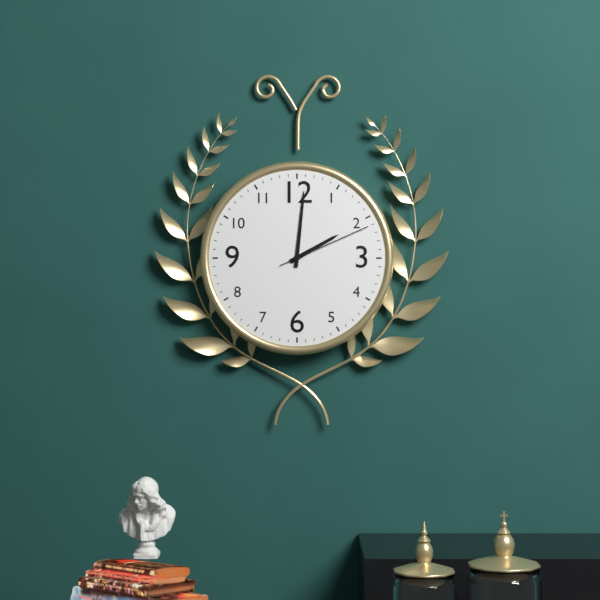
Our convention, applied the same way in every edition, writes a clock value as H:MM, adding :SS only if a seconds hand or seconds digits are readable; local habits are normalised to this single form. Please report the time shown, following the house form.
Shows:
2:01:11
